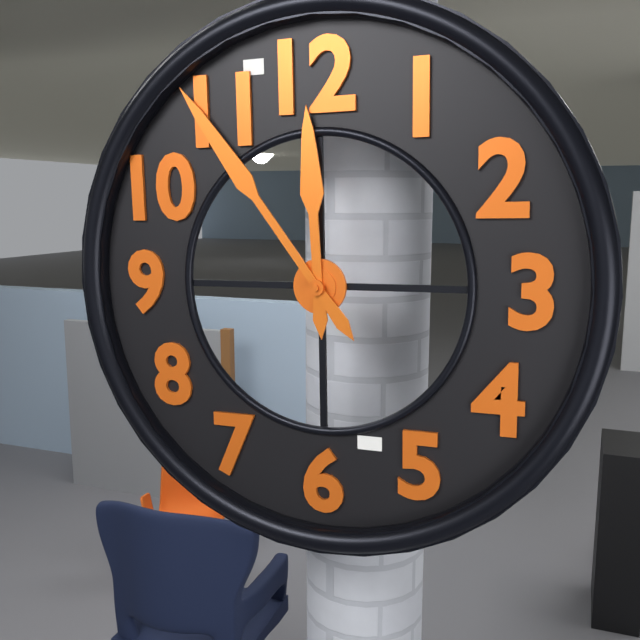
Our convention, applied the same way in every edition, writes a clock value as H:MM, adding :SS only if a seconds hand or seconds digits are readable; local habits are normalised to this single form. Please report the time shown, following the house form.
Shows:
11:54
